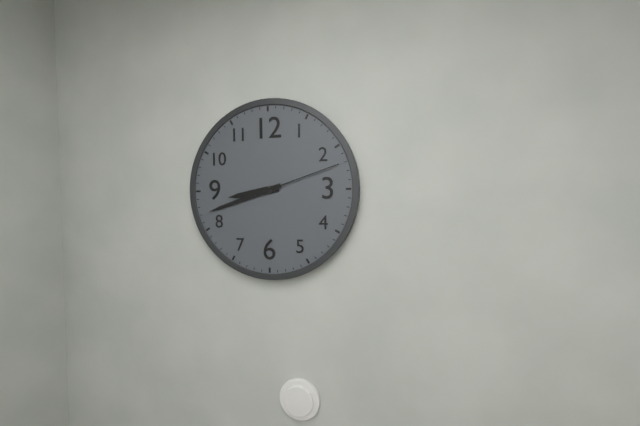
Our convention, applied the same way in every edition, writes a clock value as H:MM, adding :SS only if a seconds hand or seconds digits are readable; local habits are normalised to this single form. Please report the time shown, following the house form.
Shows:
8:42:12
